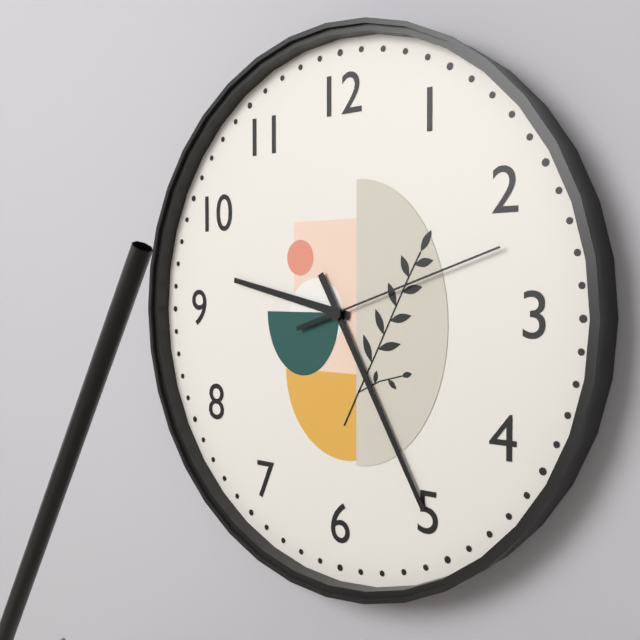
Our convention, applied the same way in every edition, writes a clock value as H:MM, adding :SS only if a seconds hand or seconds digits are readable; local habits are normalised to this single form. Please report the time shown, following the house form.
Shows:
9:25:12
